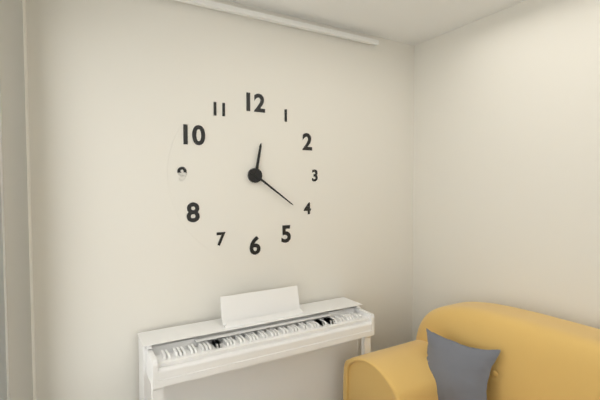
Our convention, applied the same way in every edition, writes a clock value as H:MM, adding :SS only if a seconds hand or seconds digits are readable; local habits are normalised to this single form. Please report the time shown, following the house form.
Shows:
12:21
